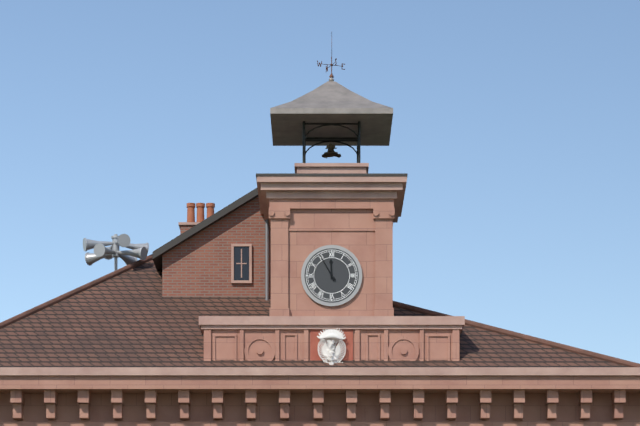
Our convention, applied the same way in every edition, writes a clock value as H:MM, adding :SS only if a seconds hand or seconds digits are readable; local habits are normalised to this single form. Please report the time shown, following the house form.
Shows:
11:55
